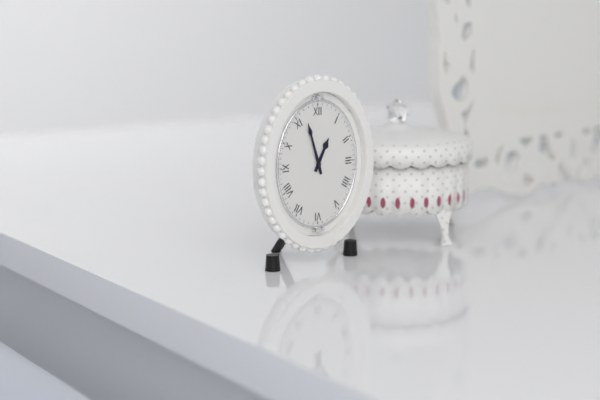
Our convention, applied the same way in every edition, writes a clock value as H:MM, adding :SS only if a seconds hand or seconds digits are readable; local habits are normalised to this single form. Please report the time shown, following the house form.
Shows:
12:57
